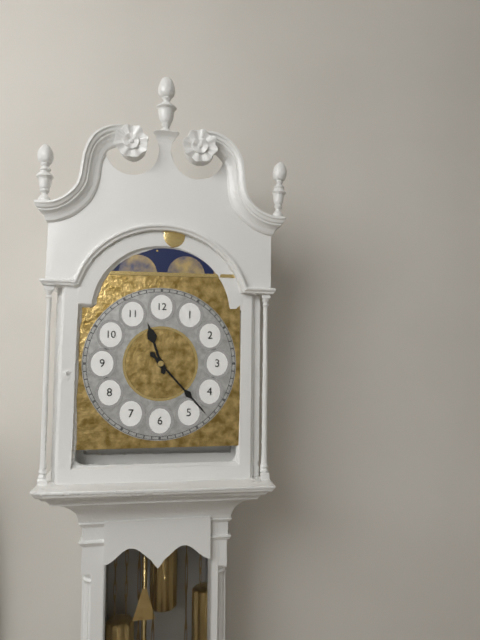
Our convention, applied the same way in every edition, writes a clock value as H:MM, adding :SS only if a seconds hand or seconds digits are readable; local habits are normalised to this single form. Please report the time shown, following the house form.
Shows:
11:23
